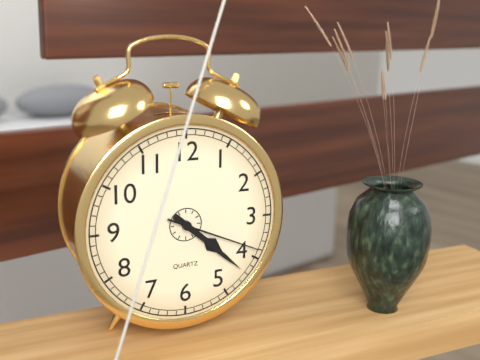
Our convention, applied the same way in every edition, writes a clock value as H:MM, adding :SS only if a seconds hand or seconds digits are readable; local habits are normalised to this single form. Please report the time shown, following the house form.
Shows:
4:22:19
